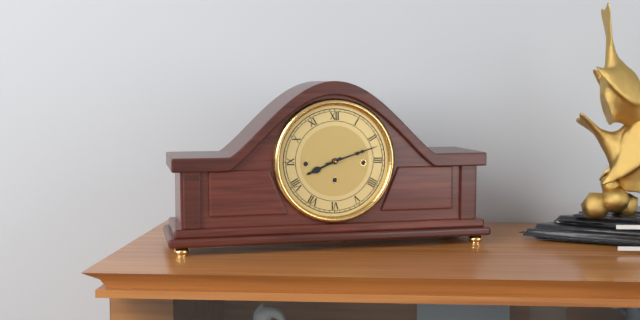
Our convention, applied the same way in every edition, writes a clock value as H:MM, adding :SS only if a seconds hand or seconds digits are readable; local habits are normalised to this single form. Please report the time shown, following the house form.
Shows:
8:12
